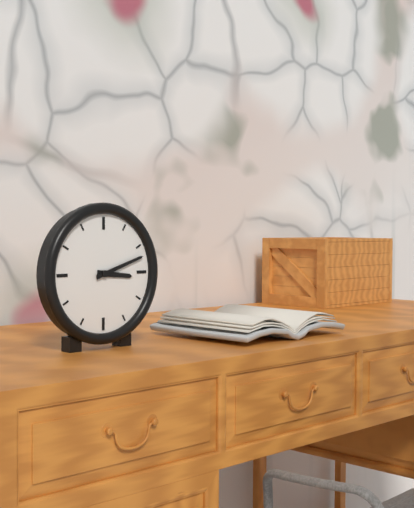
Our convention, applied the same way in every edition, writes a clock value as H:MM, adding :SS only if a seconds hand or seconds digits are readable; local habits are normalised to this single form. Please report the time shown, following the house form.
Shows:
3:12
